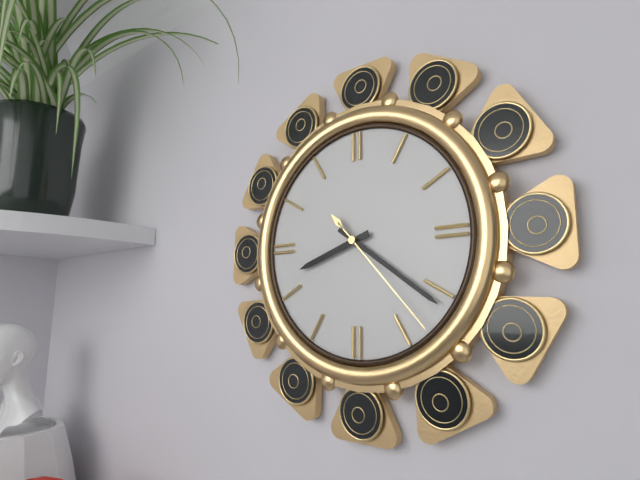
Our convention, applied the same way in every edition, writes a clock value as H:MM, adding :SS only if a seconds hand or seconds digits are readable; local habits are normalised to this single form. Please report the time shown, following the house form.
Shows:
8:21:23
